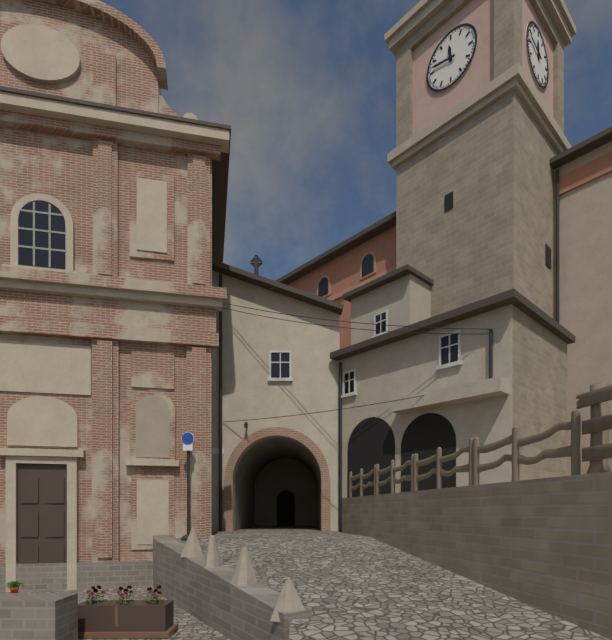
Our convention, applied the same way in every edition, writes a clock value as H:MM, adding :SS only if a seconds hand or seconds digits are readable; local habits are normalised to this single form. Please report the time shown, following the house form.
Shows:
11:47
